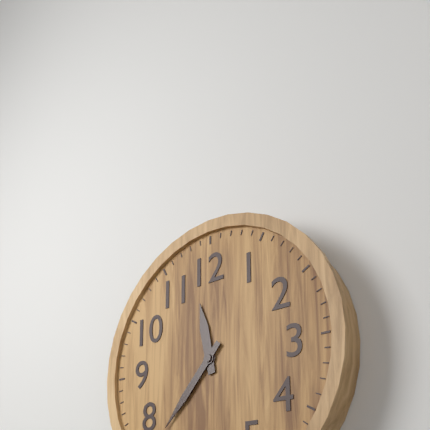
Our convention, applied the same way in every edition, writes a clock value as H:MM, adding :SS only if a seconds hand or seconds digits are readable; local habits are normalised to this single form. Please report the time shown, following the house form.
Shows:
11:37
